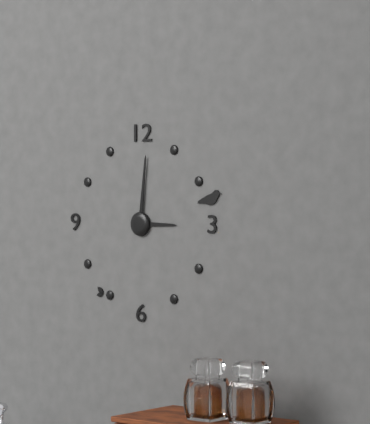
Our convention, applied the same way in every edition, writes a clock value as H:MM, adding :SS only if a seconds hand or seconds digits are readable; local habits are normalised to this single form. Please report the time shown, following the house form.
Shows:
3:01
